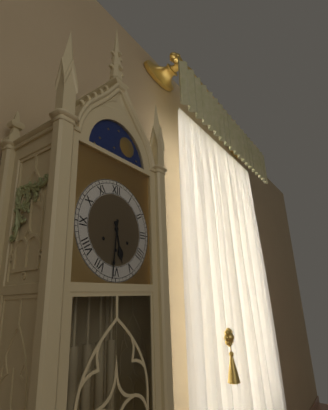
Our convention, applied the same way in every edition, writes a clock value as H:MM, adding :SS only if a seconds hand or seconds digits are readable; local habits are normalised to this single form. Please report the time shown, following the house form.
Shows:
5:31
